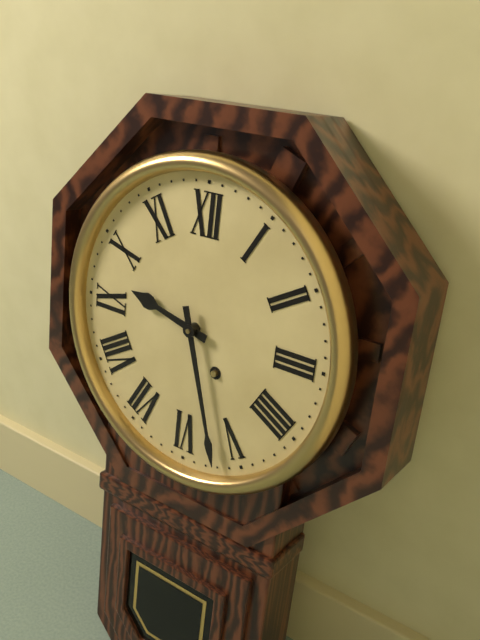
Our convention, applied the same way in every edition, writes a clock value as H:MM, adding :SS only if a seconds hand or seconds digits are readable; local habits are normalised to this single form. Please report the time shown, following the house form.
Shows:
9:27
